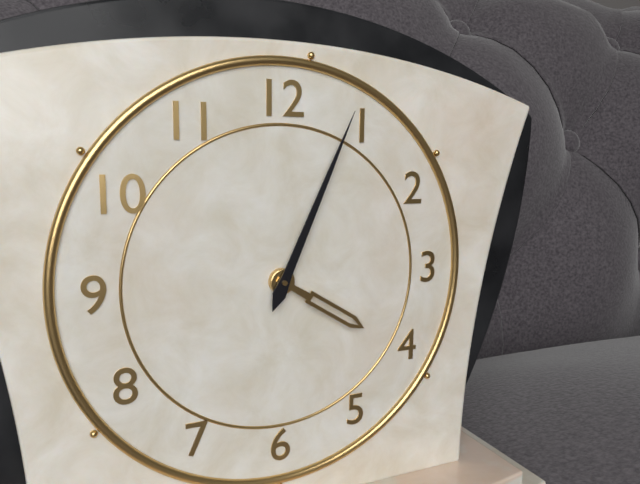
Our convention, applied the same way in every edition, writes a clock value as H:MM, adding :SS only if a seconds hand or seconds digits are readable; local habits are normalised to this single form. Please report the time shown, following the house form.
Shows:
4:04
